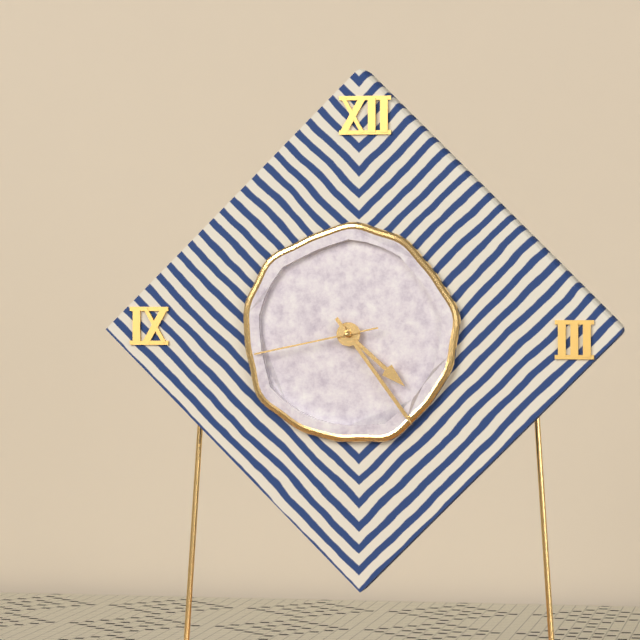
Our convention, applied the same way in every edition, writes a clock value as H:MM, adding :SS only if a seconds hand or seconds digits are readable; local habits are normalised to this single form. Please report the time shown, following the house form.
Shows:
4:24:43
